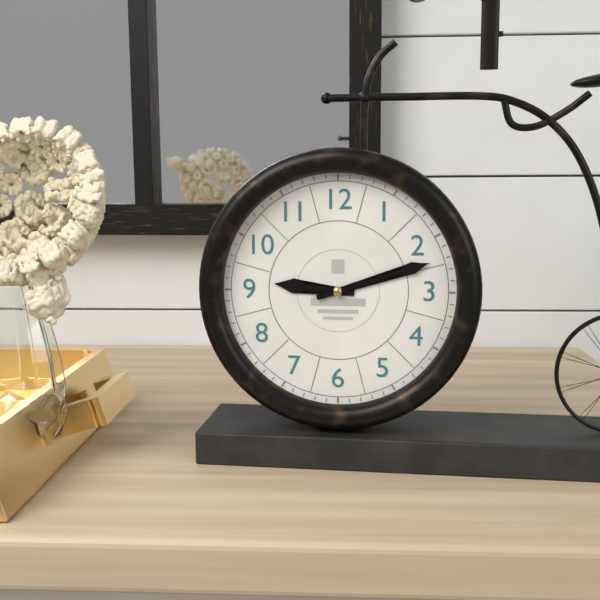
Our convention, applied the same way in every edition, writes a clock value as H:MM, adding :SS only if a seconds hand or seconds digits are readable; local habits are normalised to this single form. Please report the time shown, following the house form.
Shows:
9:12
